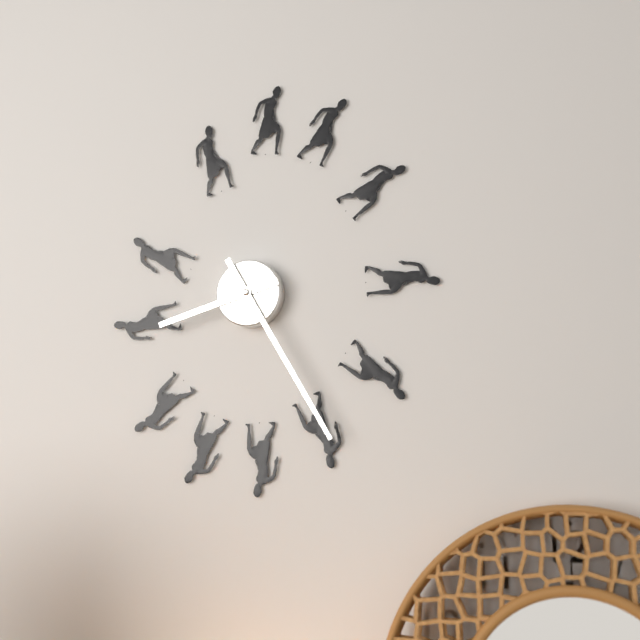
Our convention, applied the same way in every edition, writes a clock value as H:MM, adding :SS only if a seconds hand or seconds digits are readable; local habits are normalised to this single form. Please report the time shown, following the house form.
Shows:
8:25
